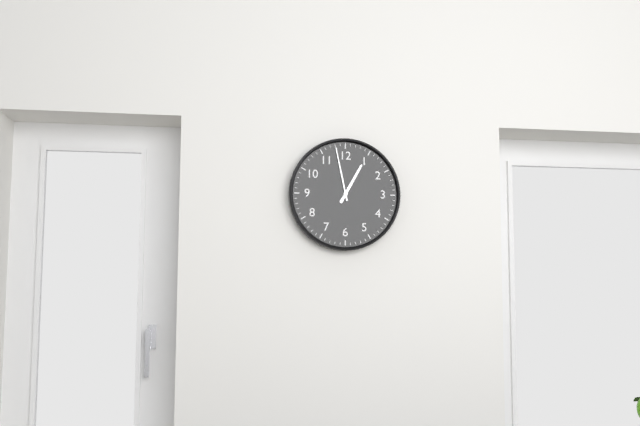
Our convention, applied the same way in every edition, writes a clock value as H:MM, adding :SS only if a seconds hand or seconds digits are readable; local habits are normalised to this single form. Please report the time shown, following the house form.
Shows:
12:58
